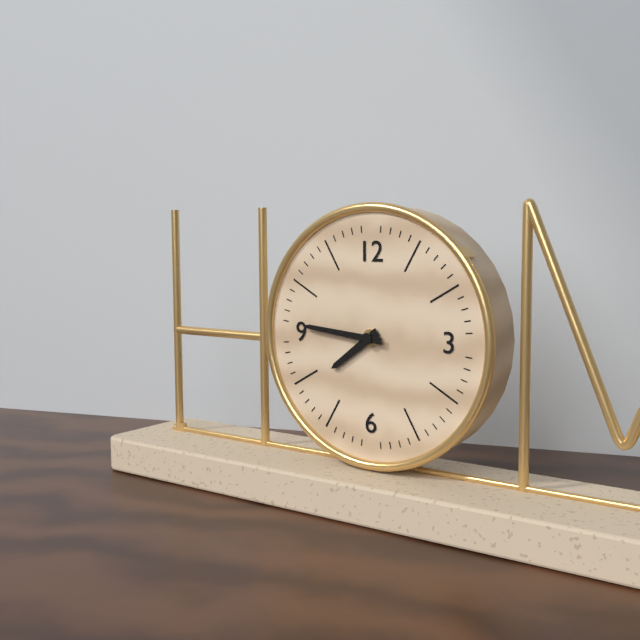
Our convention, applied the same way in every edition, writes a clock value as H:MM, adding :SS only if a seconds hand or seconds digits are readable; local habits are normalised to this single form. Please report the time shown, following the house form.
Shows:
7:46
